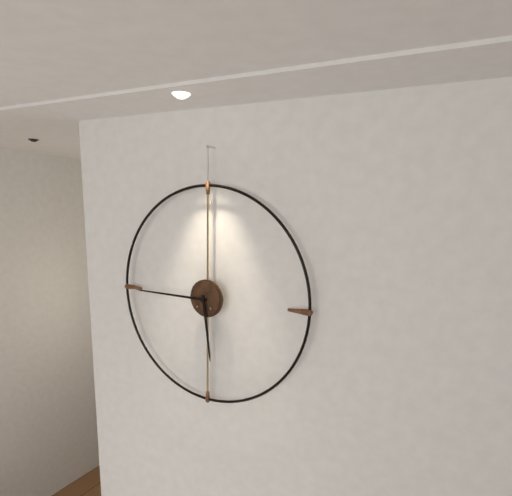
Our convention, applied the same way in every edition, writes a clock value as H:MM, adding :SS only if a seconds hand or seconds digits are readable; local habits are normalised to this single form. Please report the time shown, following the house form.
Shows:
5:45
